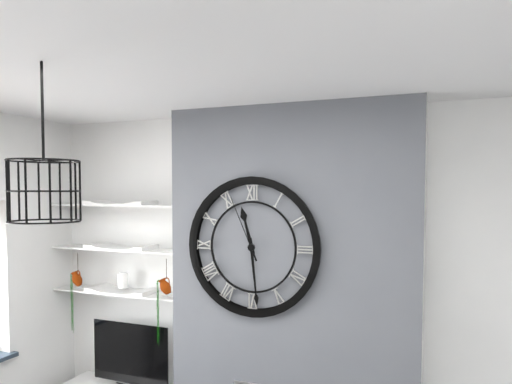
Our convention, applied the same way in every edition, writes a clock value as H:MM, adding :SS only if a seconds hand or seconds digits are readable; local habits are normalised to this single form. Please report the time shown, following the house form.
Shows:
11:29:56
